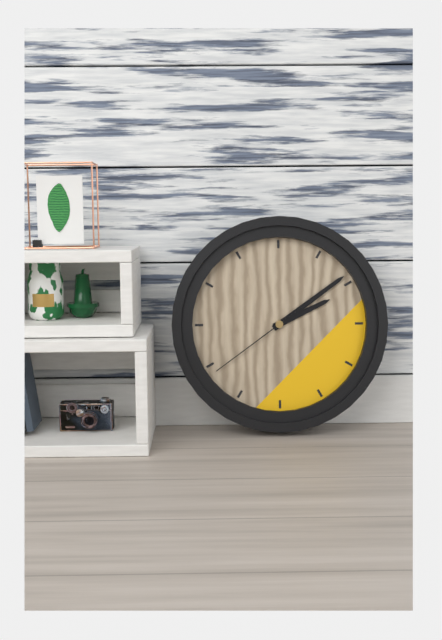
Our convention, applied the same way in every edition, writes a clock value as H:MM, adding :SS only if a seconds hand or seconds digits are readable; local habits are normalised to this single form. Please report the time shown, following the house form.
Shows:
2:09:39
